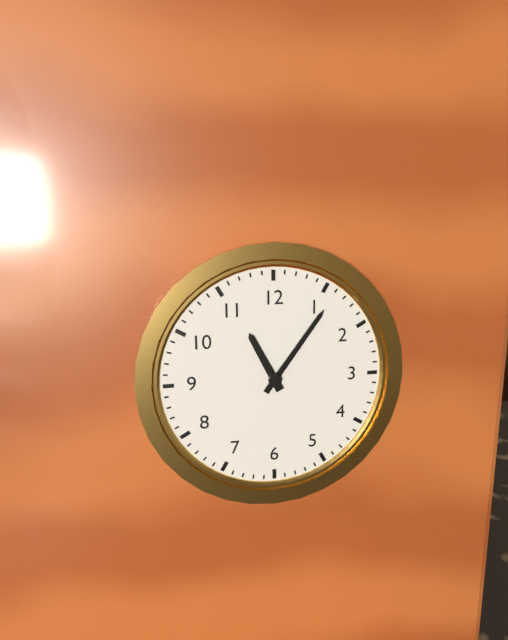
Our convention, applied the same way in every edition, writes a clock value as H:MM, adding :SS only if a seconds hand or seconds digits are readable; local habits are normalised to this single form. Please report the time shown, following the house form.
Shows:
11:06
